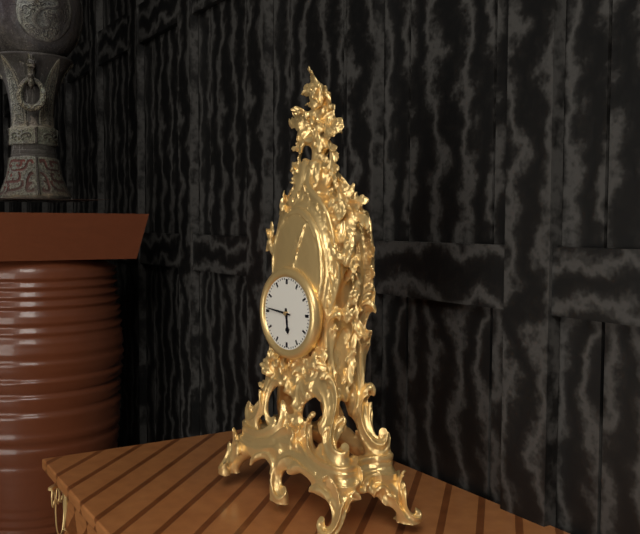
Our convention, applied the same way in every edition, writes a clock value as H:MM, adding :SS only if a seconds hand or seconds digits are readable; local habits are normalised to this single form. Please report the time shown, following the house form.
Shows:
5:46
